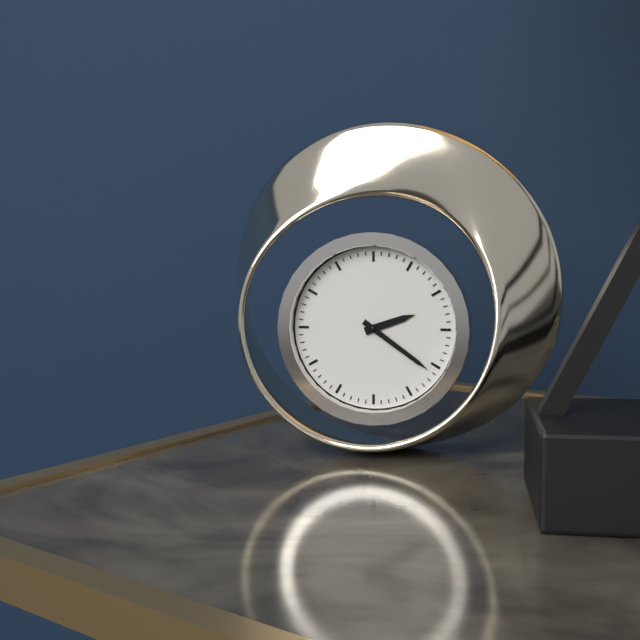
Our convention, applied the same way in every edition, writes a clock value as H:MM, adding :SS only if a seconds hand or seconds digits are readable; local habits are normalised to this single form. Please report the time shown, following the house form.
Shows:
2:21
